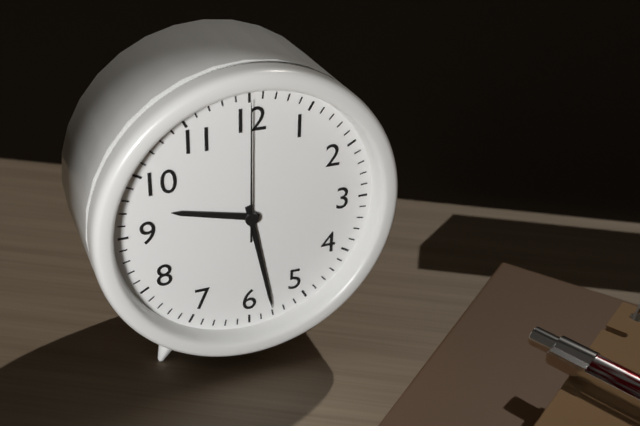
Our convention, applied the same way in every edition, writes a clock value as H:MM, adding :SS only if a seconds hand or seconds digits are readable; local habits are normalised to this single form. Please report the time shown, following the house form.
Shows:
9:28:00
